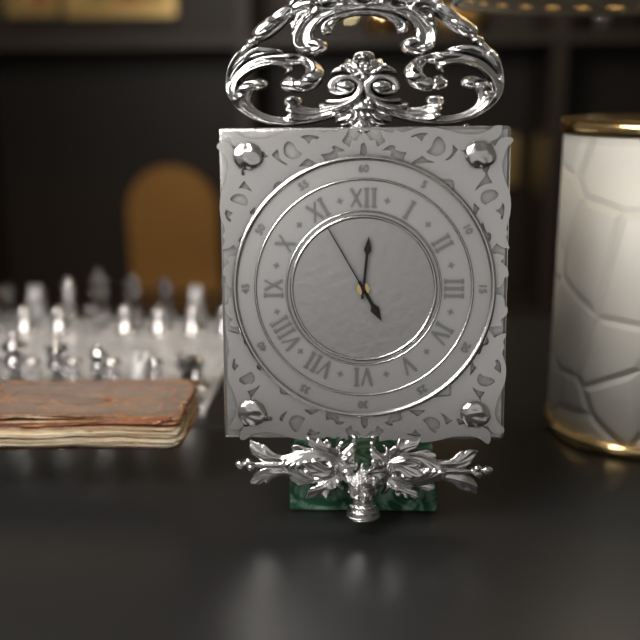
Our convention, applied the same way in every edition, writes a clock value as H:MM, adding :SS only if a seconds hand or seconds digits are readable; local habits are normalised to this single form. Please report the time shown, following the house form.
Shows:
5:01:55
